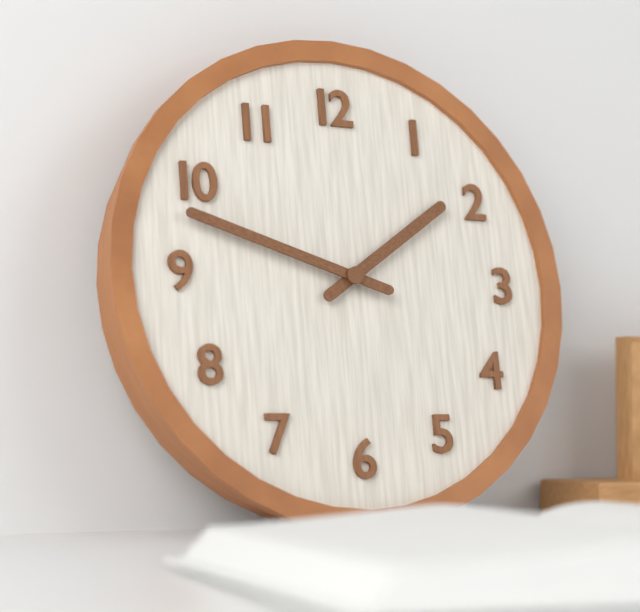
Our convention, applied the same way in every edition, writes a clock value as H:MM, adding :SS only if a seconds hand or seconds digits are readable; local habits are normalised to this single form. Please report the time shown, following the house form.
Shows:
1:48
